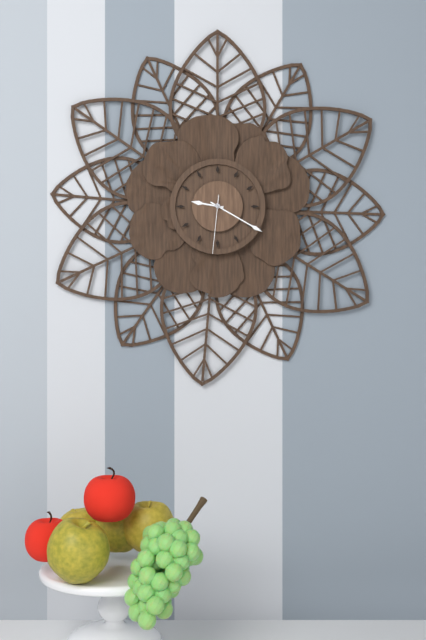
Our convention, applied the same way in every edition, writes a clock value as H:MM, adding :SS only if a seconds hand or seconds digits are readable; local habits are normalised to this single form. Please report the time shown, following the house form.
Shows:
9:20:31
